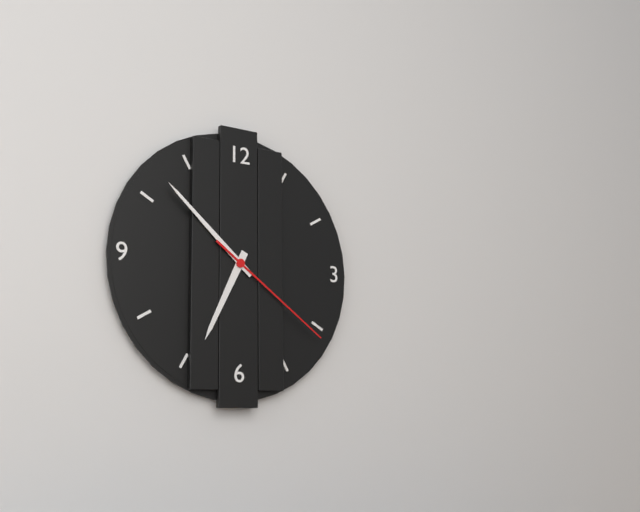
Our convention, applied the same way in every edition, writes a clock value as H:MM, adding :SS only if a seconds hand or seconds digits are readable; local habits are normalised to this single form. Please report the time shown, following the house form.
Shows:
6:52:21
